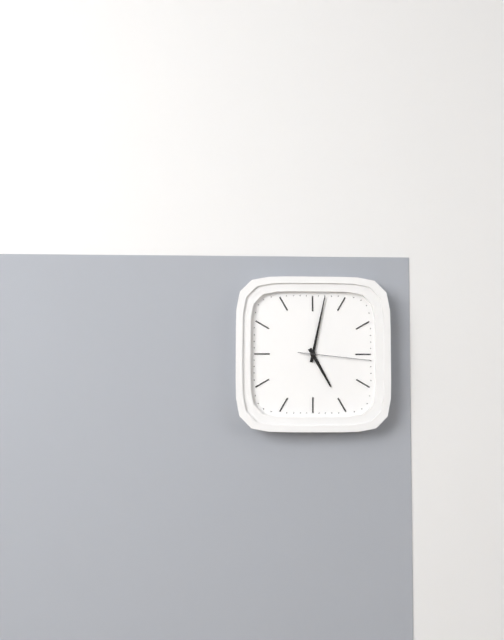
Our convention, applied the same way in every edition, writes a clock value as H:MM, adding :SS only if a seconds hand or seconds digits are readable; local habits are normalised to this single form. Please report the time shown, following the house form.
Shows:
5:02:16
